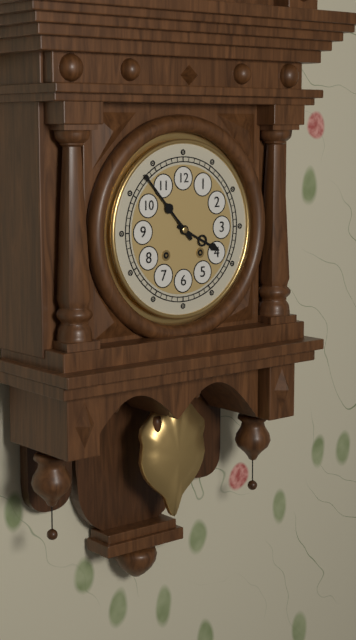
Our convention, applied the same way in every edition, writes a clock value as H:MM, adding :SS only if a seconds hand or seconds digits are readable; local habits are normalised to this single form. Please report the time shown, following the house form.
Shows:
3:53
